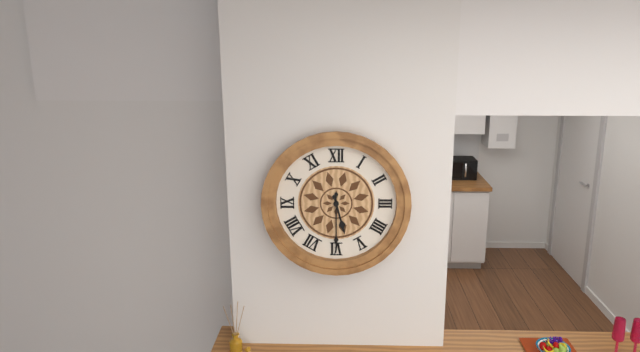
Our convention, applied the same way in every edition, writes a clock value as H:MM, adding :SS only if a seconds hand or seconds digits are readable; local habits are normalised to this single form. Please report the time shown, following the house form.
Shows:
5:30
